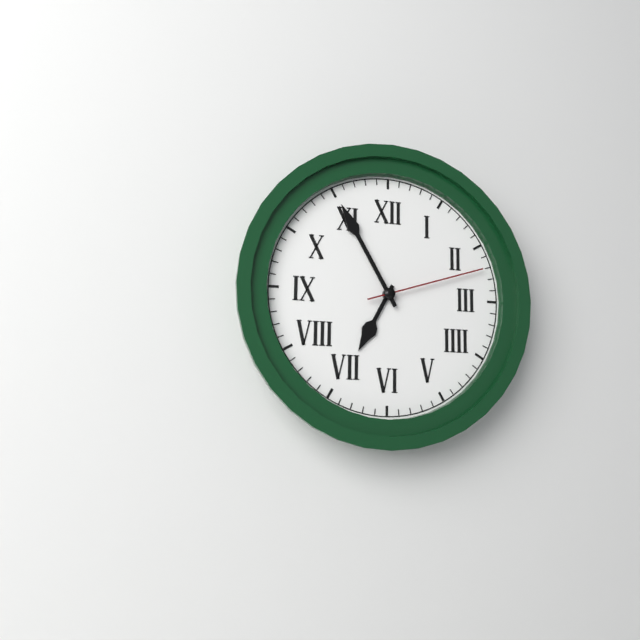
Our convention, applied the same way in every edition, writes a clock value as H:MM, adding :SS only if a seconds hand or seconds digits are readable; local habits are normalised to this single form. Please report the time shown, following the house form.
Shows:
6:55:12
